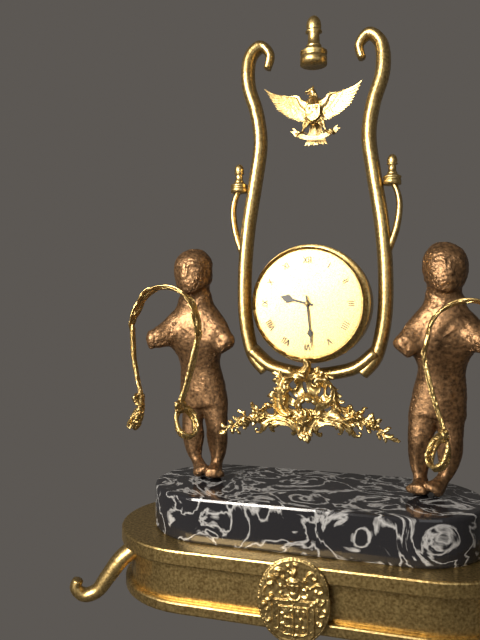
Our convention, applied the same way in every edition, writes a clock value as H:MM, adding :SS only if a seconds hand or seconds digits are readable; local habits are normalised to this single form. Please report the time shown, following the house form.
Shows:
9:29
